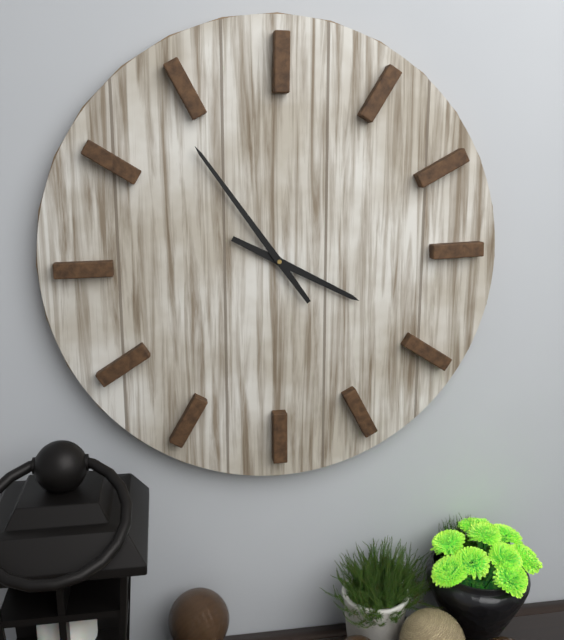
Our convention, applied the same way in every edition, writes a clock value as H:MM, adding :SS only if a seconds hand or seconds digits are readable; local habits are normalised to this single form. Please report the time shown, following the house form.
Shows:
3:54
